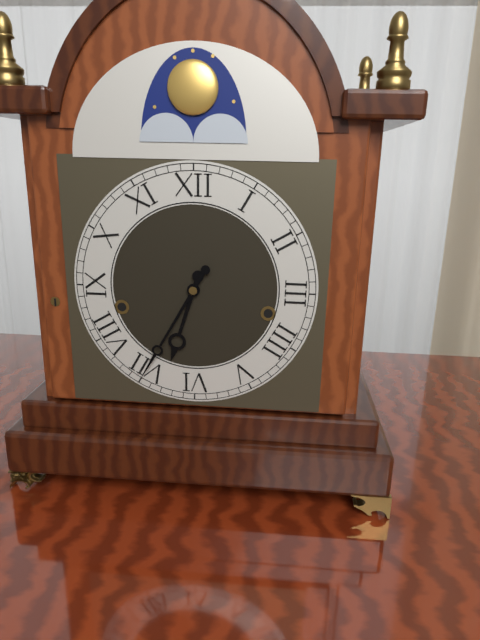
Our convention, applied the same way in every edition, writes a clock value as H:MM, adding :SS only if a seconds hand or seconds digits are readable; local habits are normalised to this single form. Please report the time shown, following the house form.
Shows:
6:35
